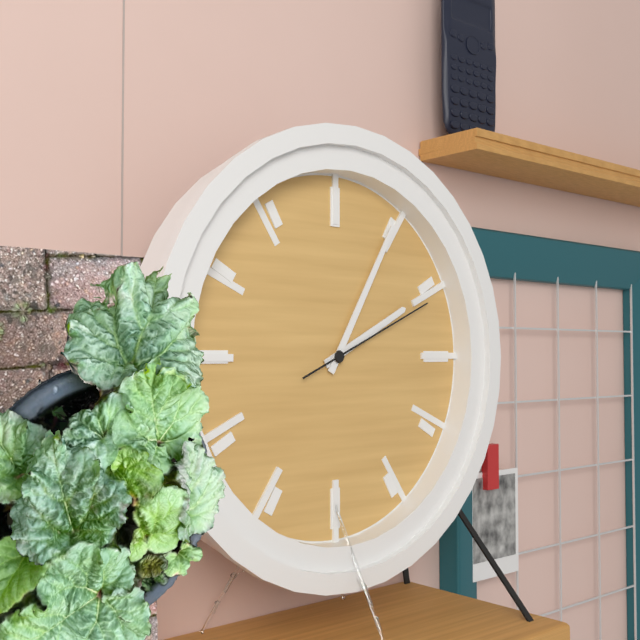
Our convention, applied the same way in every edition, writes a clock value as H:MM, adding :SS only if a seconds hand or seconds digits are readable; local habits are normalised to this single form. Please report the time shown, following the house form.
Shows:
2:05:11
